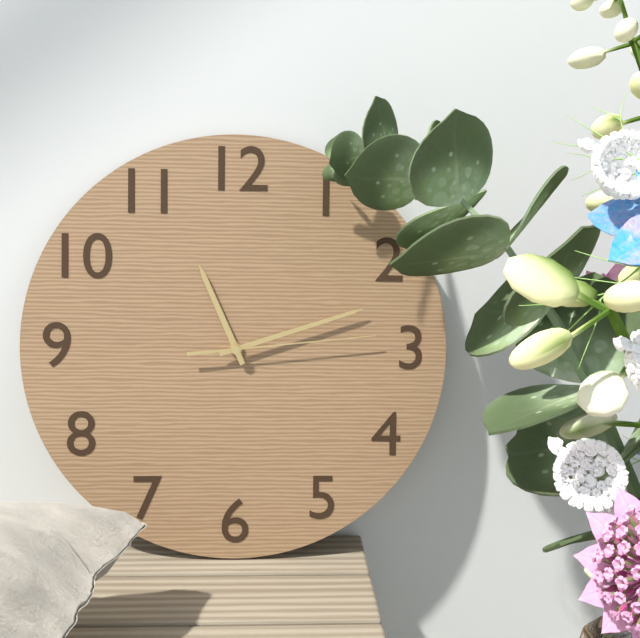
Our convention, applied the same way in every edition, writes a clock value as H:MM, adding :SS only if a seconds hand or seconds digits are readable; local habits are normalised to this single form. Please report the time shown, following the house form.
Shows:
11:12:14
